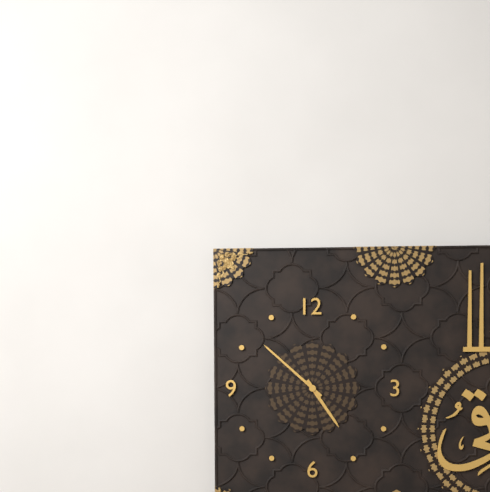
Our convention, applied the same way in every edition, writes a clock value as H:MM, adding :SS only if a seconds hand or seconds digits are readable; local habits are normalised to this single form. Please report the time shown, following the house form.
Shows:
4:52
